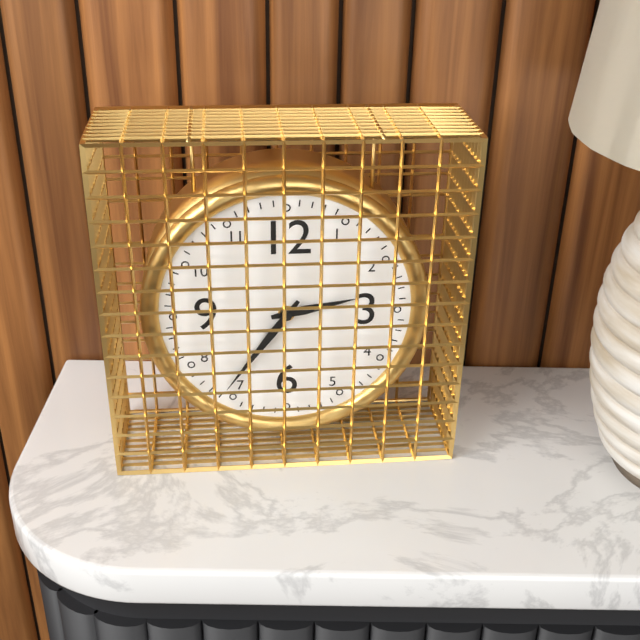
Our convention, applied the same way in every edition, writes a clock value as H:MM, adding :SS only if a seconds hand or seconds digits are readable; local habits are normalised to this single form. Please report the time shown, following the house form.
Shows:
2:36
